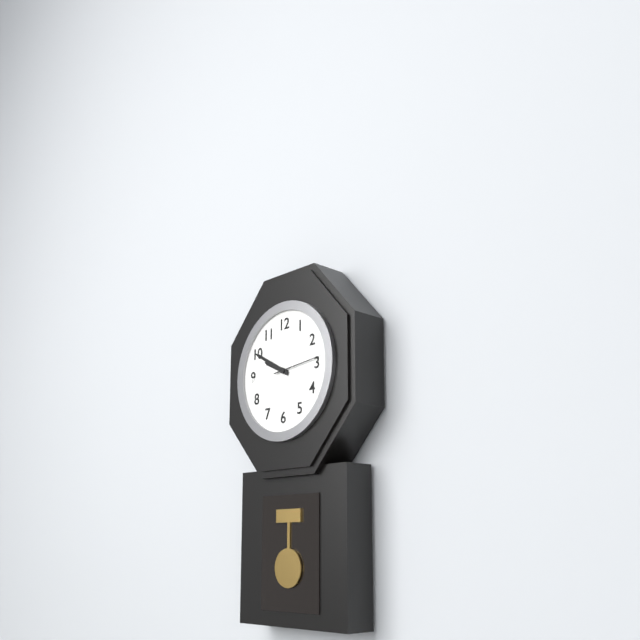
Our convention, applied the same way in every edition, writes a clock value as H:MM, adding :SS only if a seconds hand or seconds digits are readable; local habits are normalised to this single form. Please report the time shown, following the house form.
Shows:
9:50
